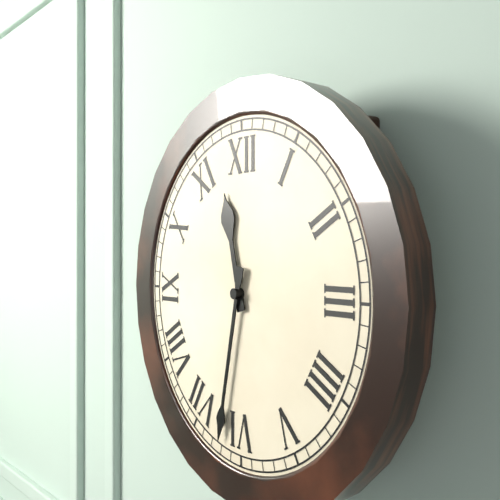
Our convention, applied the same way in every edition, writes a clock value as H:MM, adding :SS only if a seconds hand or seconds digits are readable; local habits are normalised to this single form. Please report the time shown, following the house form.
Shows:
11:32
